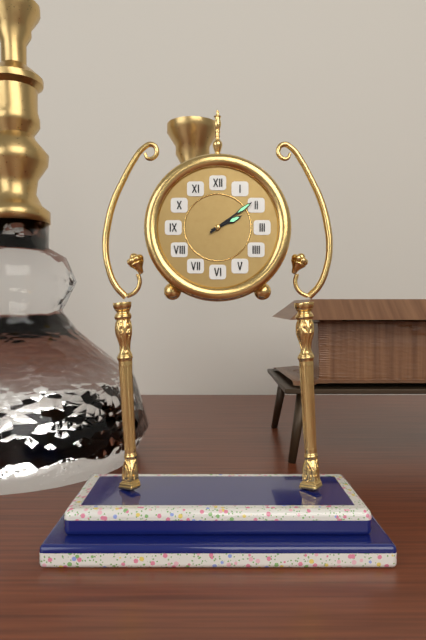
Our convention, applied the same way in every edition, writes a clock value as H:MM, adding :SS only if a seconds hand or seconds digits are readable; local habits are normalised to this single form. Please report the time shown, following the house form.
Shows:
2:09
